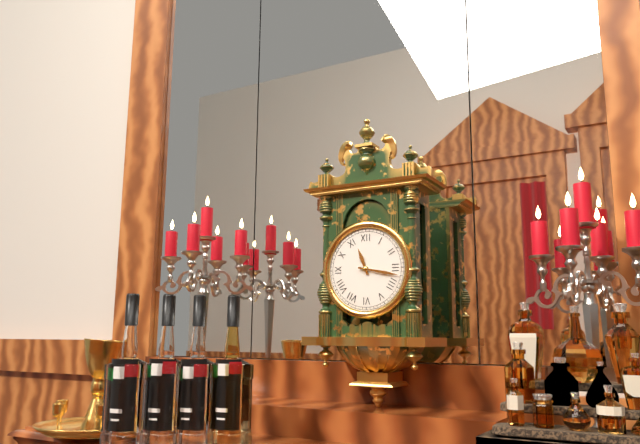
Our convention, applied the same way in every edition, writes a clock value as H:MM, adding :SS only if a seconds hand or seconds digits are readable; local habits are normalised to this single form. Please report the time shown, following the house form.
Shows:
11:17
